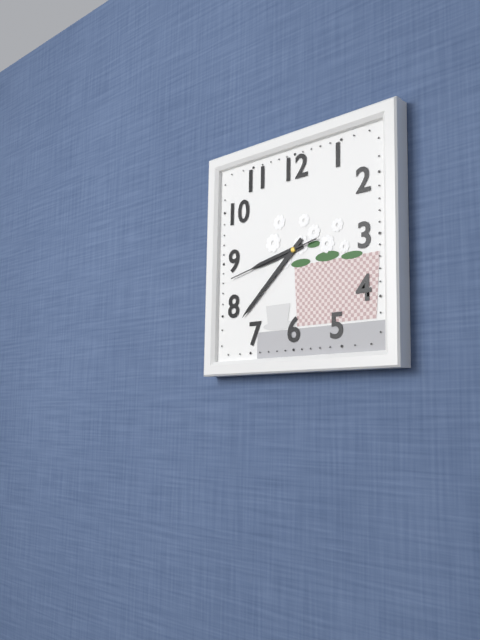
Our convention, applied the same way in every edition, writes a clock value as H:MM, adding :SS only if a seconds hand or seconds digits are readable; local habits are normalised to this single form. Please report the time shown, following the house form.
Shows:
8:38:43
